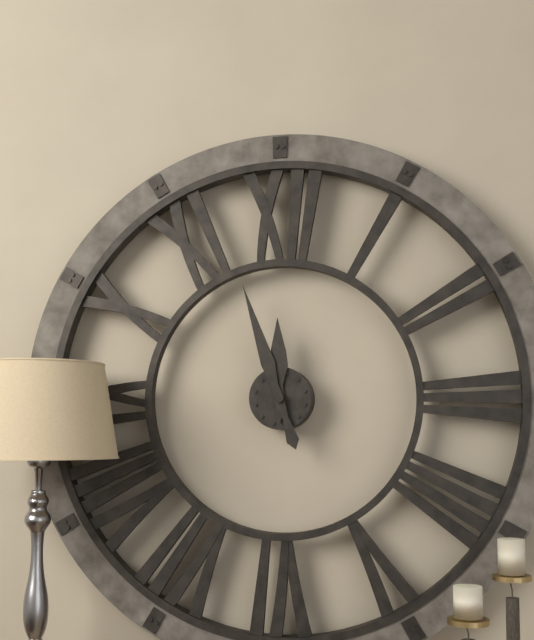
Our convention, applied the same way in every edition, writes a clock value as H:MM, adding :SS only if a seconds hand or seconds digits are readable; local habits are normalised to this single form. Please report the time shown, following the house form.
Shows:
11:57
